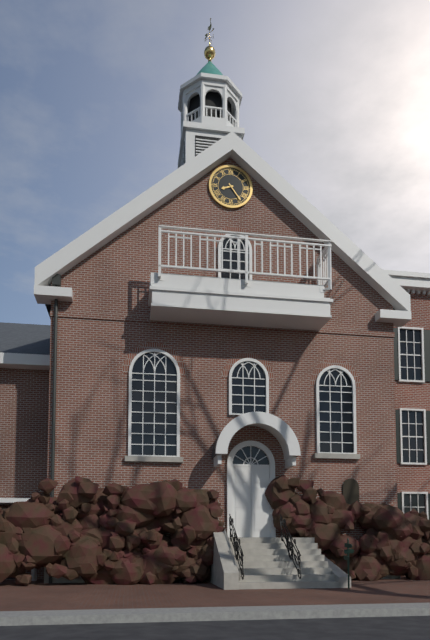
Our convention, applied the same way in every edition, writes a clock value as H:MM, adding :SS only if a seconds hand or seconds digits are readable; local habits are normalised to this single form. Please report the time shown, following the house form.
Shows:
8:24
